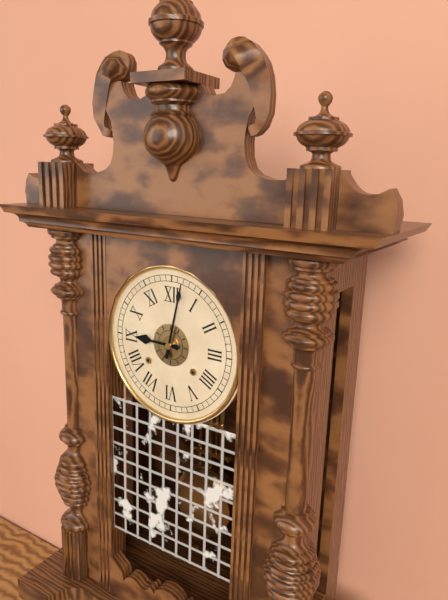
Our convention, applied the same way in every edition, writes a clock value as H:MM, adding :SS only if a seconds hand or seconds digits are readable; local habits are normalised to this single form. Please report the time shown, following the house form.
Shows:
9:02
